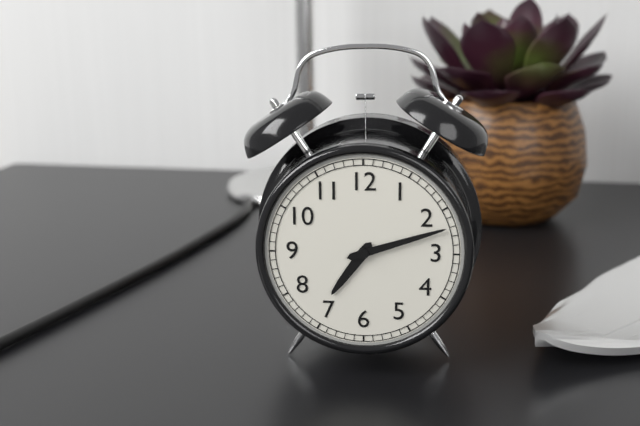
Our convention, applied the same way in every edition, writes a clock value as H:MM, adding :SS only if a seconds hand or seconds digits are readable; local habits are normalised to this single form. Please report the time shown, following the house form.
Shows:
7:12
